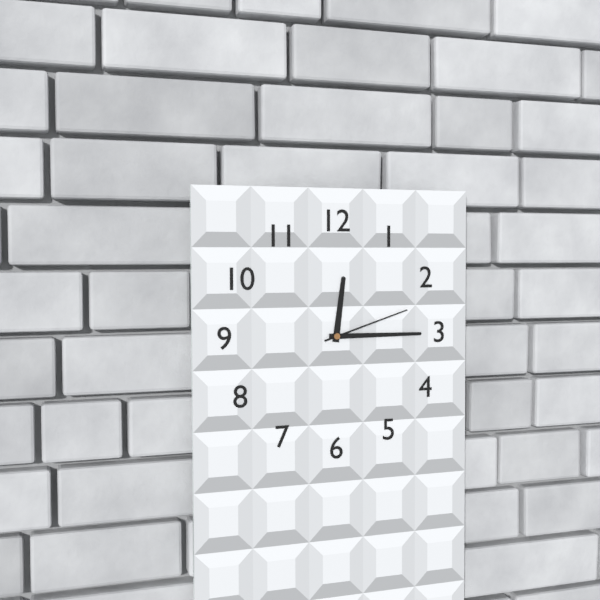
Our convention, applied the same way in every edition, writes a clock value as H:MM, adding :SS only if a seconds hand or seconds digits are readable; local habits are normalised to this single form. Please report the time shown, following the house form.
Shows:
12:15:12
